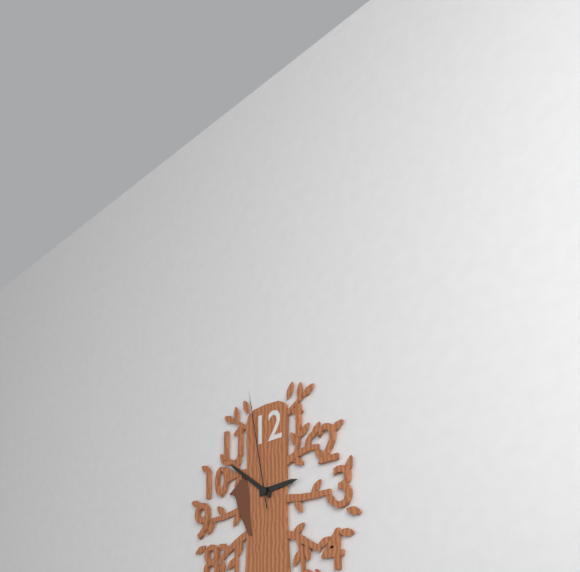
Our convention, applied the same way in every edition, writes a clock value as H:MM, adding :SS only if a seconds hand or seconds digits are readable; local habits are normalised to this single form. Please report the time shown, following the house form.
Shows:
2:51:58
